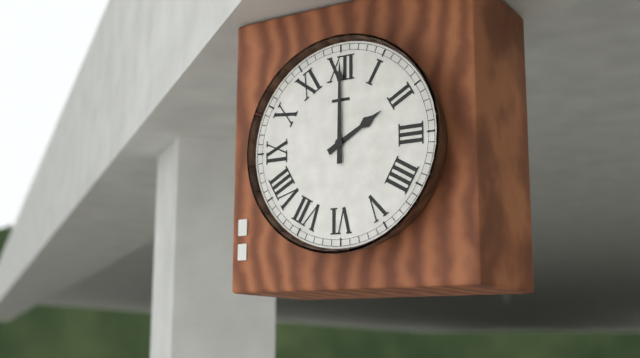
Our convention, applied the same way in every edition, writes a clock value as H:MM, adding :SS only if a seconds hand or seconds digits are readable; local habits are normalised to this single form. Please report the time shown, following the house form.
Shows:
2:00
